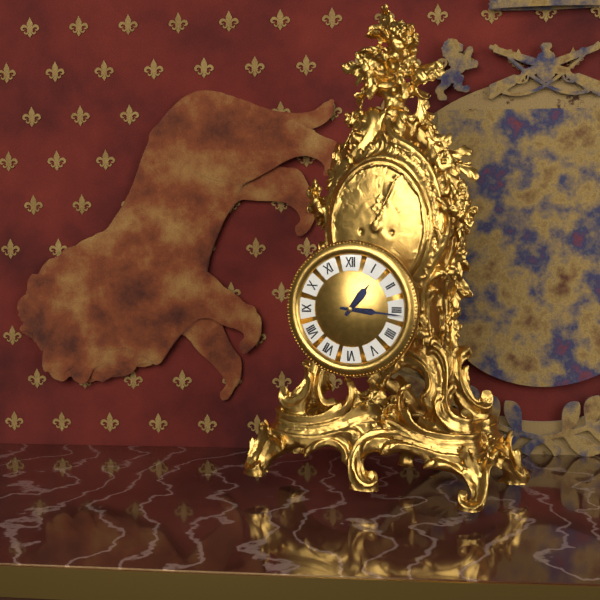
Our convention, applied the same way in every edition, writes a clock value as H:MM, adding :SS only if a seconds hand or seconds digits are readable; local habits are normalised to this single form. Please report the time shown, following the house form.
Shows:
1:16
